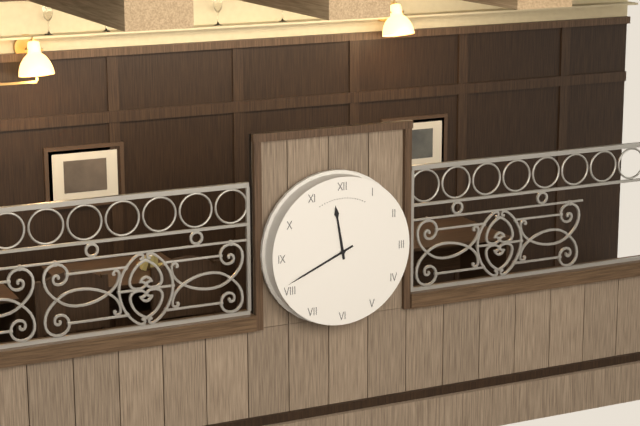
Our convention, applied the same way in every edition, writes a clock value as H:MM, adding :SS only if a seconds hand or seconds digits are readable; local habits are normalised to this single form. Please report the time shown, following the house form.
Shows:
11:41
